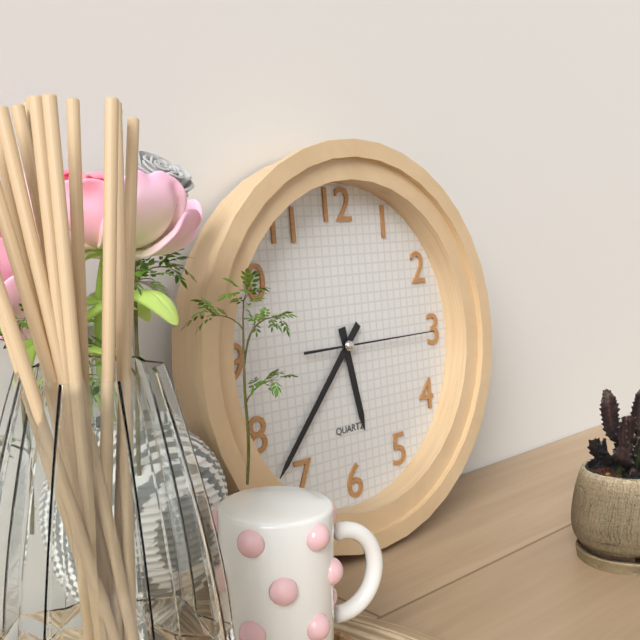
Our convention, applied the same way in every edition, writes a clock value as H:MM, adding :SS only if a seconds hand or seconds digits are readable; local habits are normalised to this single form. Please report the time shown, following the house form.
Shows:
5:37:15
